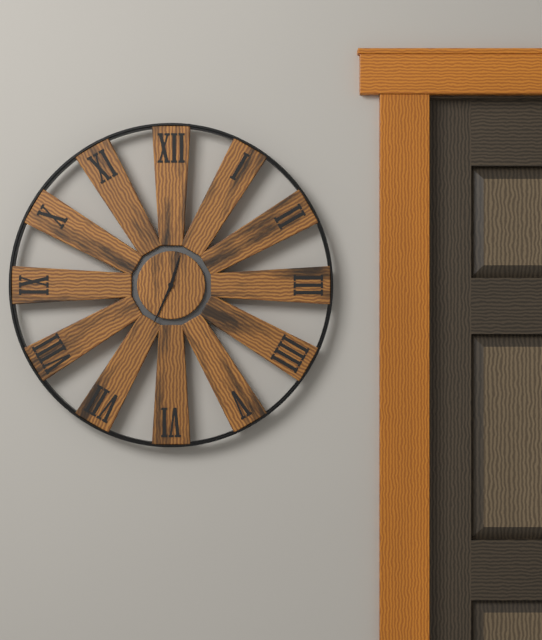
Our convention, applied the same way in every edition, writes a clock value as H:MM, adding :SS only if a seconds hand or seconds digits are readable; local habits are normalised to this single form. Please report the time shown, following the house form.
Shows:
12:34
